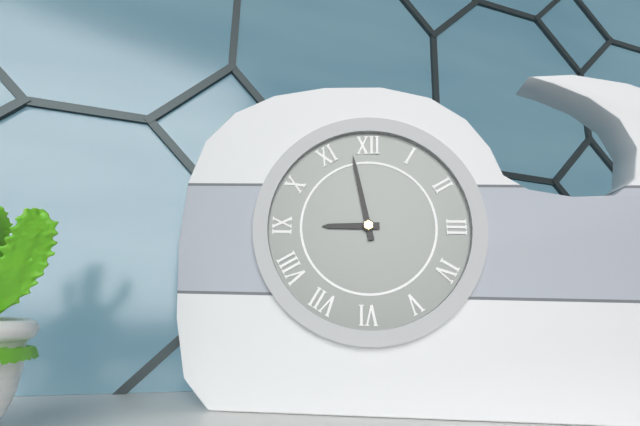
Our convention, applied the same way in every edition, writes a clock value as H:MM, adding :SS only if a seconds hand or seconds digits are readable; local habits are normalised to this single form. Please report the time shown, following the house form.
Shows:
8:58
